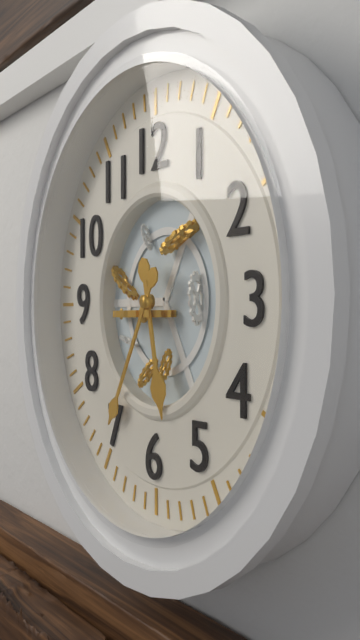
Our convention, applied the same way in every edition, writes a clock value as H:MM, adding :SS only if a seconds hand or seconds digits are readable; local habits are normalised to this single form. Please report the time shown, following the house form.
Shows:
5:35
